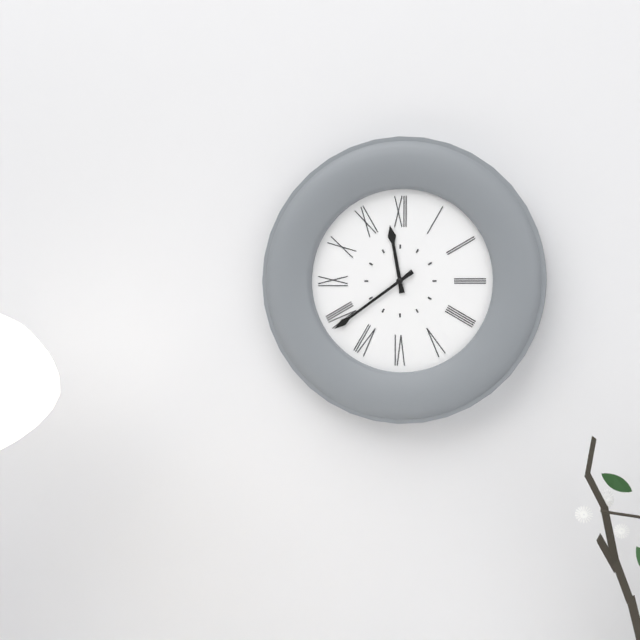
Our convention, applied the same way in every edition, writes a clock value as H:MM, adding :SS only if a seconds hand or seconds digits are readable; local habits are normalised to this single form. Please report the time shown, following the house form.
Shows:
11:39
